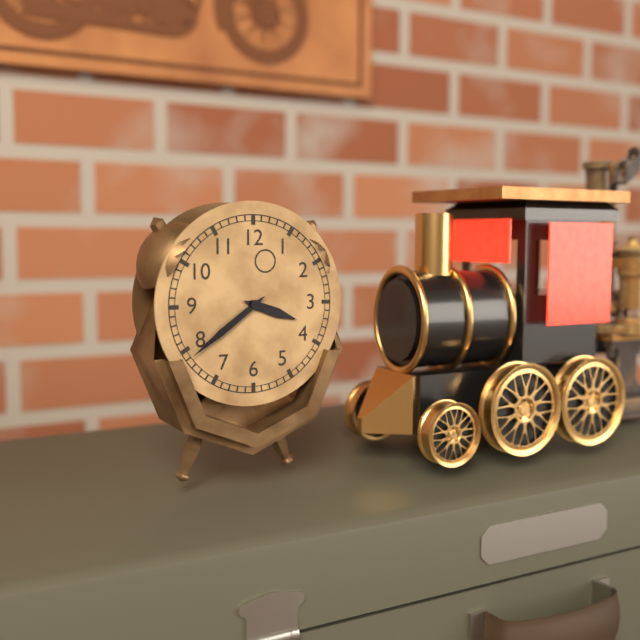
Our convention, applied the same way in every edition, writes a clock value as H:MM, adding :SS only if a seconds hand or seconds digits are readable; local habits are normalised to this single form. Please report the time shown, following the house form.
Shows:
3:39
